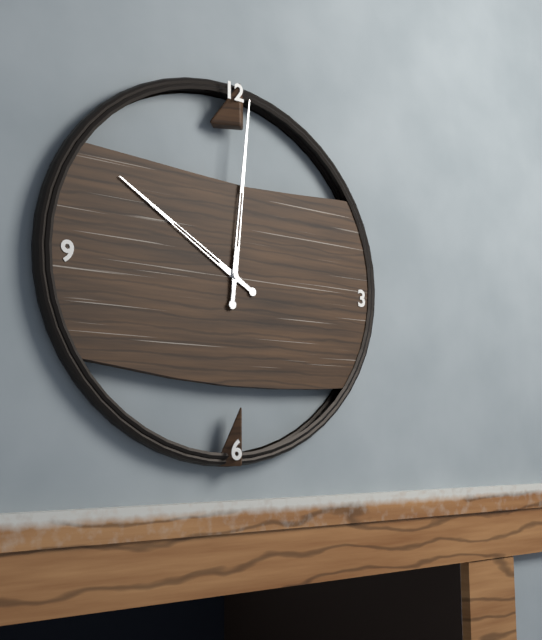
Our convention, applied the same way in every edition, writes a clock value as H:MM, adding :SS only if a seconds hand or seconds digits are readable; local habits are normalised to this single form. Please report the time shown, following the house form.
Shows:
10:01
